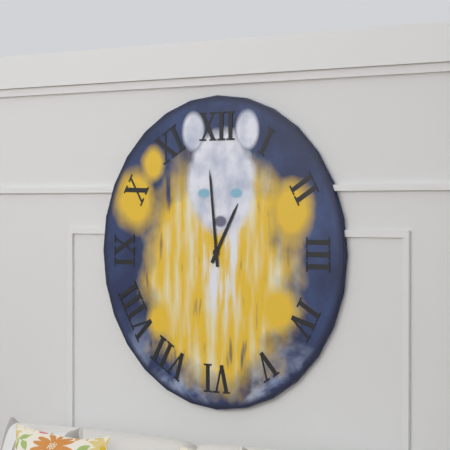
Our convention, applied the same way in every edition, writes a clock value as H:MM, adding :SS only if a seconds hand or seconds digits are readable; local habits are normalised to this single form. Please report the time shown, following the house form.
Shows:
12:59
